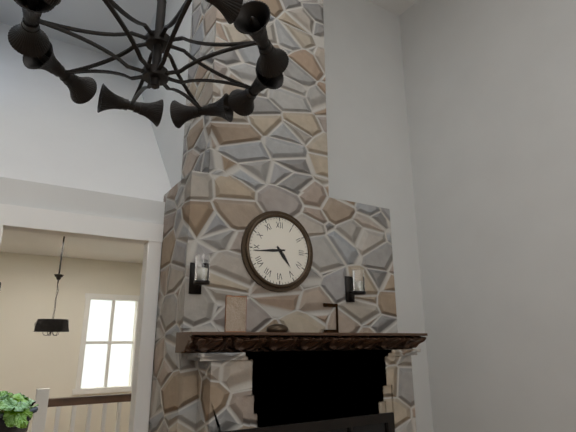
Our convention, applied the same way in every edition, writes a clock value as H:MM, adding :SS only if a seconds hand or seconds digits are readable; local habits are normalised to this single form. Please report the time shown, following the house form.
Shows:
4:44
